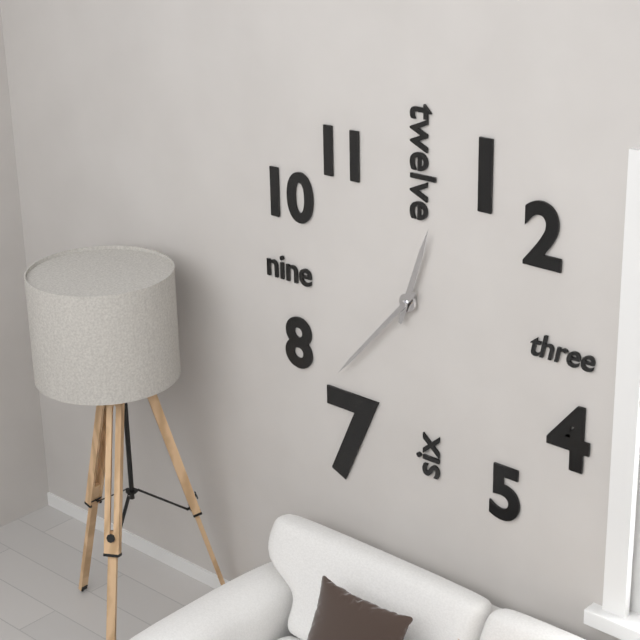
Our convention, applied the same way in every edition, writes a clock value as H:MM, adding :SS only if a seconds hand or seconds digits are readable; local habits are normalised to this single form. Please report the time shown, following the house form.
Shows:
12:37
